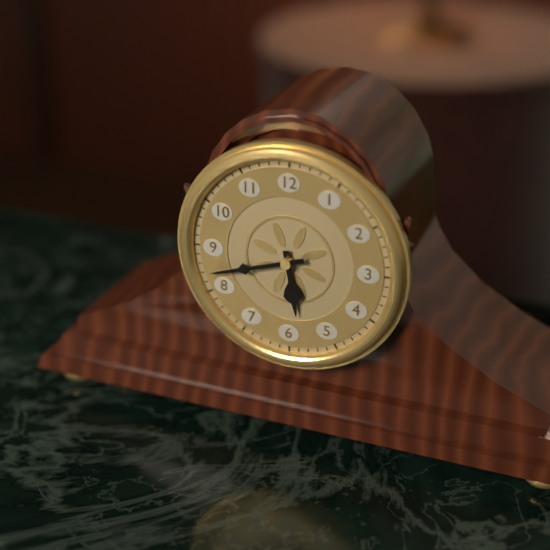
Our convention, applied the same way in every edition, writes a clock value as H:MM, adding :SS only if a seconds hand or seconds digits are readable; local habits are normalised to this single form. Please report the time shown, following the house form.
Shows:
5:42
